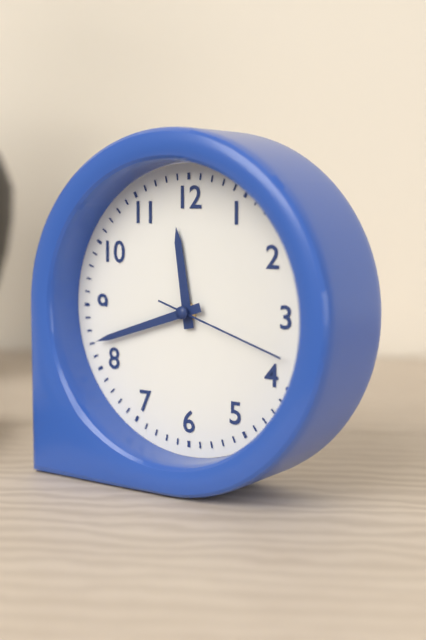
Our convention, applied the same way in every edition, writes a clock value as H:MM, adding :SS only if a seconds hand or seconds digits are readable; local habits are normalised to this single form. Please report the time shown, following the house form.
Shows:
11:42:18
